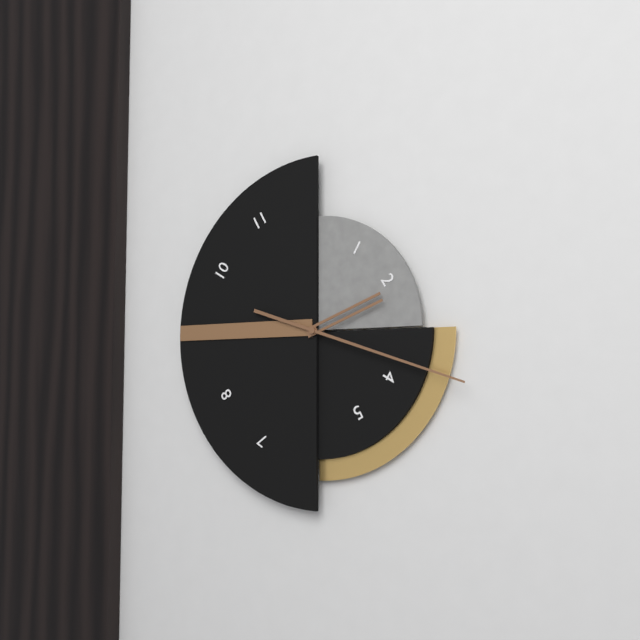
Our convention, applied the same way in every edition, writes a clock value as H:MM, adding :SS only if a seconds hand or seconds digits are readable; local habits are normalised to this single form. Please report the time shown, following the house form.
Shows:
2:18
